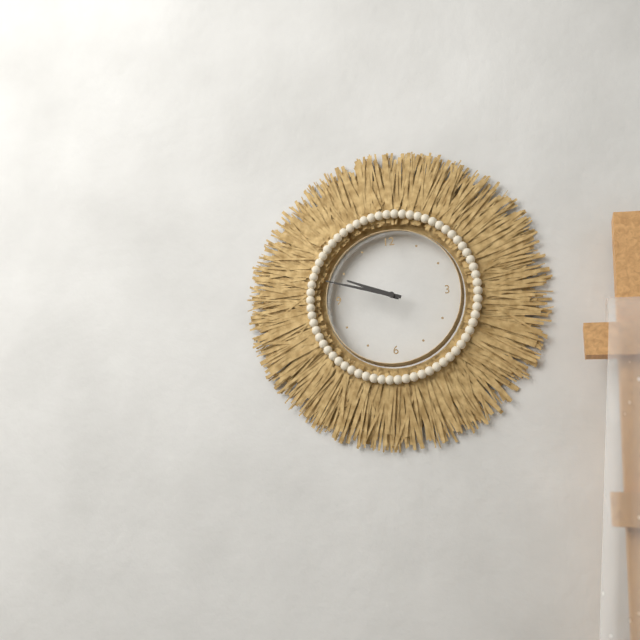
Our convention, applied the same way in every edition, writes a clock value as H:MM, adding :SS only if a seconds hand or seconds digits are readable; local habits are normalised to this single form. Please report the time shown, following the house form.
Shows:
9:48
